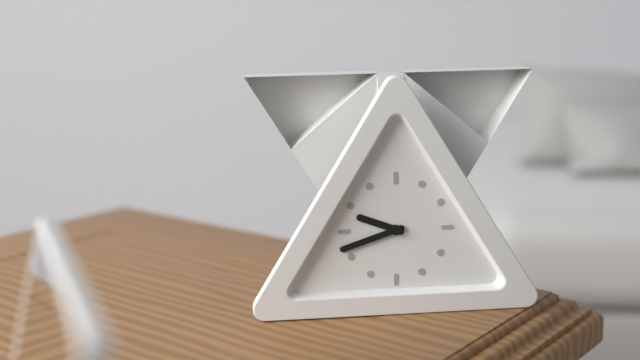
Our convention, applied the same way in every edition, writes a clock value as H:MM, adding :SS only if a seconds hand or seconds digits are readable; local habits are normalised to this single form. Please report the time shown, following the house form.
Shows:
9:42
